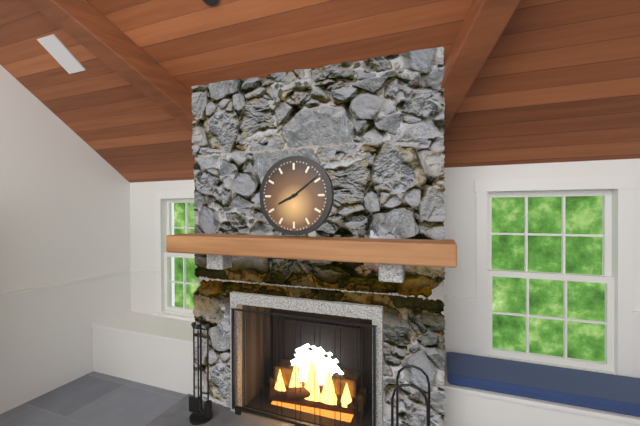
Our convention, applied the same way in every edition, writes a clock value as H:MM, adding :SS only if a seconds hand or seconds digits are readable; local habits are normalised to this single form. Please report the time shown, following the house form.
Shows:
8:09
